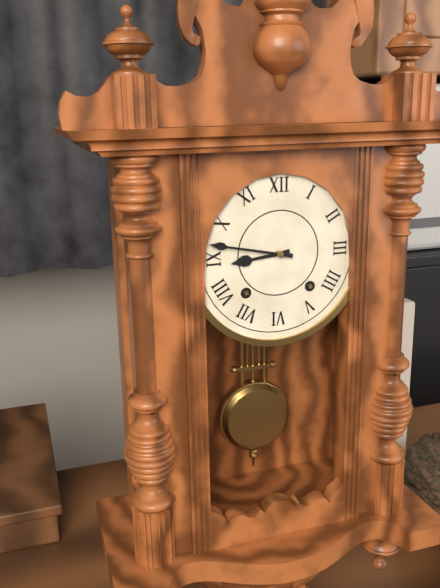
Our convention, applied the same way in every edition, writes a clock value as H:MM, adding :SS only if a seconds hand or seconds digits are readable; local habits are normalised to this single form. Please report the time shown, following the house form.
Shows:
8:47
